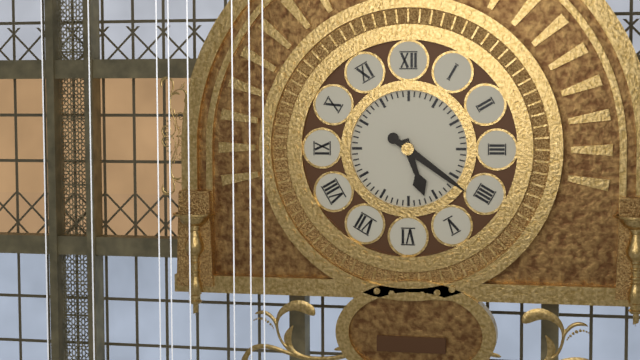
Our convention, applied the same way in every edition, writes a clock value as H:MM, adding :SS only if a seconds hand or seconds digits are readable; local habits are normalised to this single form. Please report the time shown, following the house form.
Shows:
5:21
